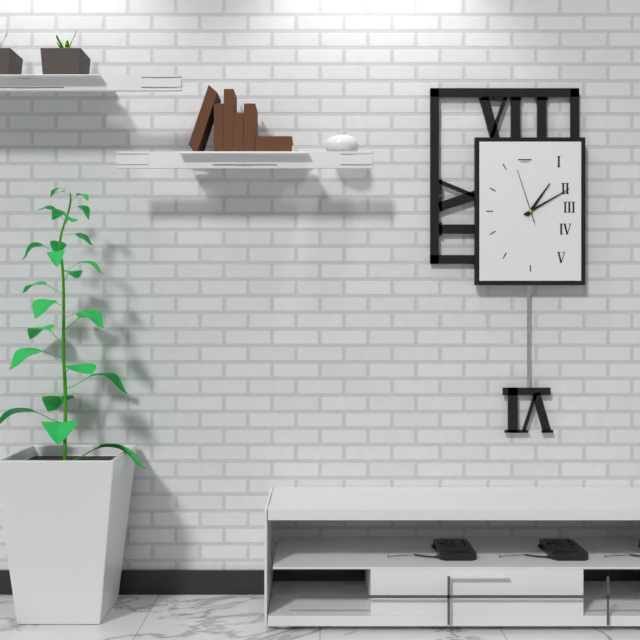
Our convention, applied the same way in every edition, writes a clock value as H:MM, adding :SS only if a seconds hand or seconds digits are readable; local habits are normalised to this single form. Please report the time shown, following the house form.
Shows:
1:10:57
